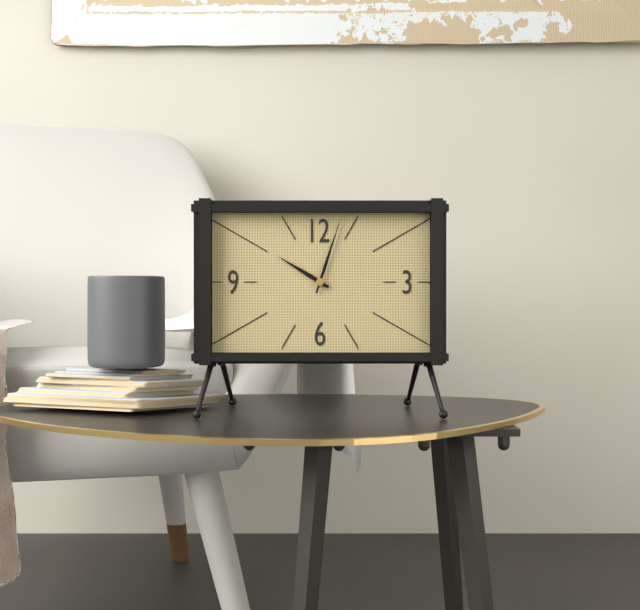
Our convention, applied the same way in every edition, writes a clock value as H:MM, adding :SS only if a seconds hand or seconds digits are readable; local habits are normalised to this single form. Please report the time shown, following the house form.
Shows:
10:03
